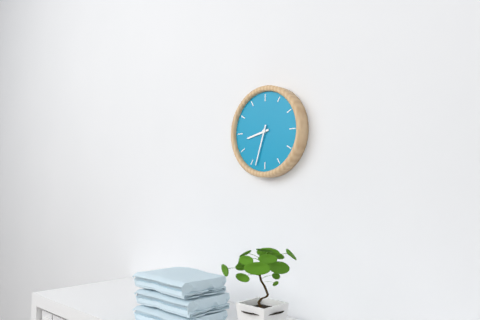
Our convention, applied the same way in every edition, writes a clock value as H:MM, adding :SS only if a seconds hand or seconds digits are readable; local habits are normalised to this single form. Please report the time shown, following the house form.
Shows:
8:33
